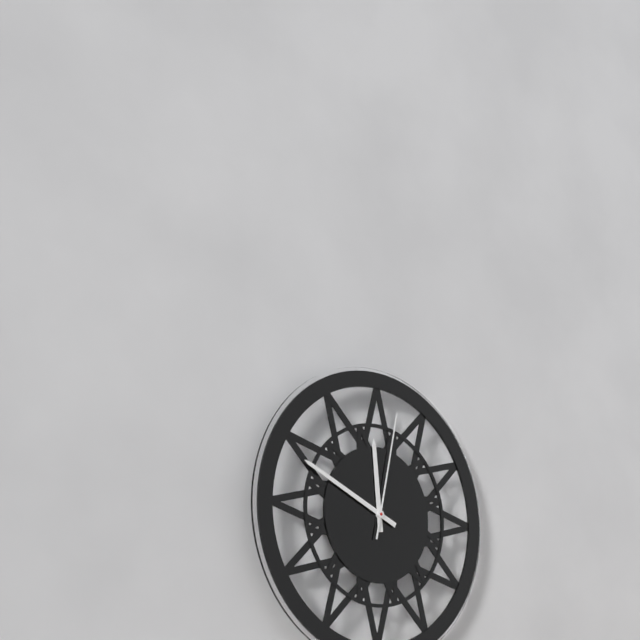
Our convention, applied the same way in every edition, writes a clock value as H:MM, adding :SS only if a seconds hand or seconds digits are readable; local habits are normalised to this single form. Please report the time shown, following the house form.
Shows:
11:49:02
